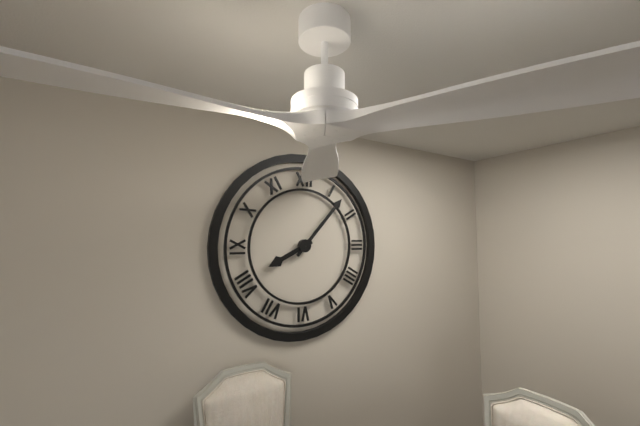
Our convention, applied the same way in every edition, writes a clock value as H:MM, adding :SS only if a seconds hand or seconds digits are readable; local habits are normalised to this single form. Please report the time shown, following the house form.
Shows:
8:07
